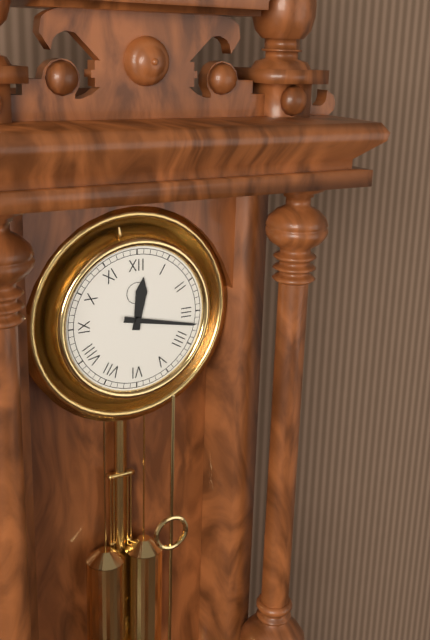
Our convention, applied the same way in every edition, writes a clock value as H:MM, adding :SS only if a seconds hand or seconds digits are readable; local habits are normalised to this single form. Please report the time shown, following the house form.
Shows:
12:17
